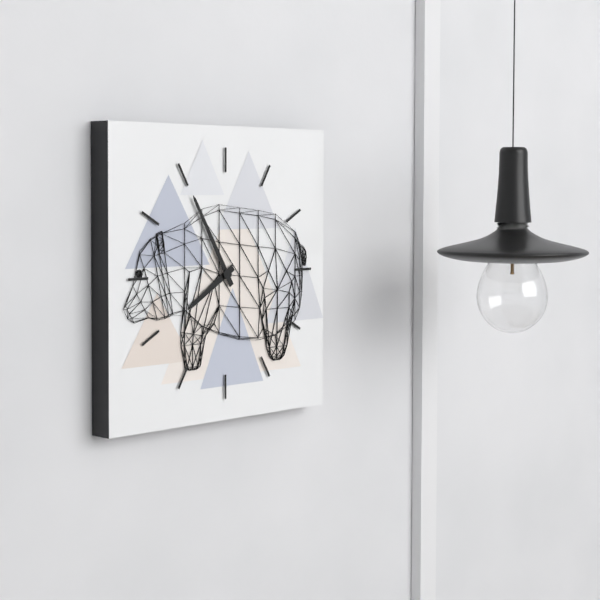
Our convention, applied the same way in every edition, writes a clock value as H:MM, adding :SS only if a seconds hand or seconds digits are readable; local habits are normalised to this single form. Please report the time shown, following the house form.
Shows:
7:55
